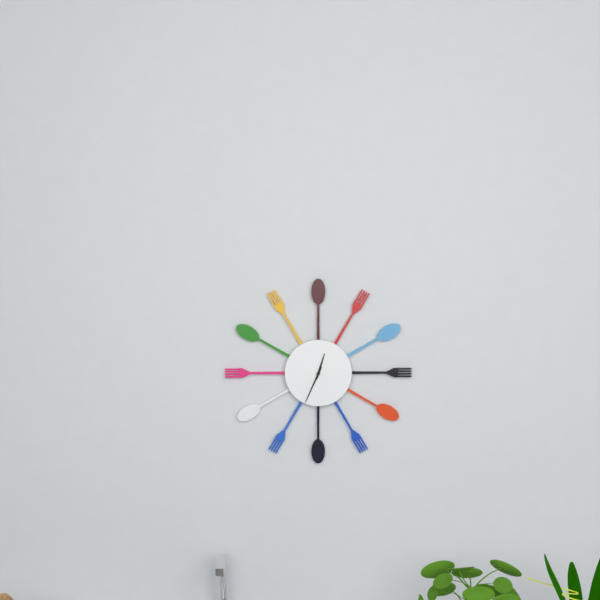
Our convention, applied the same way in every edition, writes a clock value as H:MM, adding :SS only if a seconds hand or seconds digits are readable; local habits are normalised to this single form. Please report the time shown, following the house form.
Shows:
12:34
